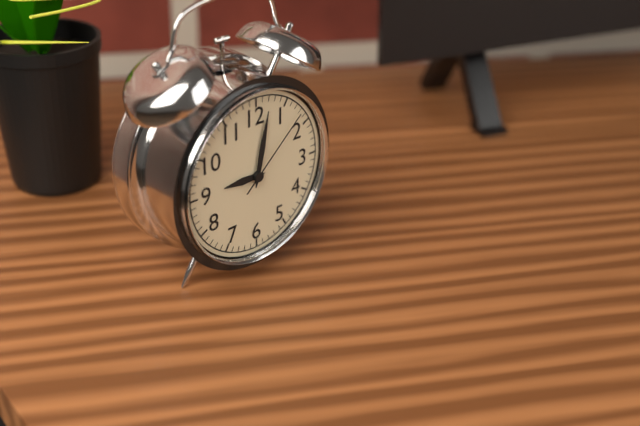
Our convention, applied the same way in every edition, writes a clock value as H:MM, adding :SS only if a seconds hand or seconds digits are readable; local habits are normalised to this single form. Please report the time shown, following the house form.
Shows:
9:02:08
